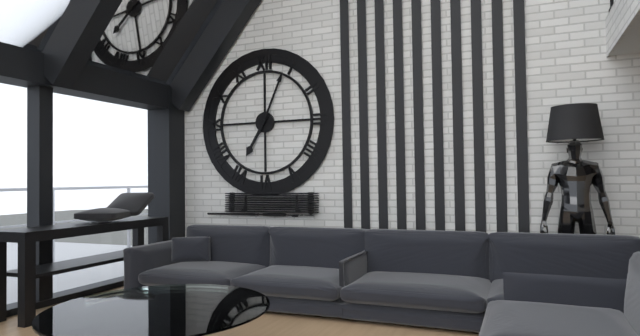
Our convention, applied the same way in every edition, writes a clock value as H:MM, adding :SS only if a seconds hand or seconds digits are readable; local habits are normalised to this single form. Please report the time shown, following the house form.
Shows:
7:04
